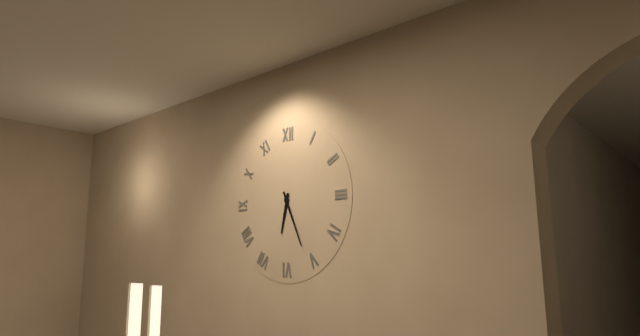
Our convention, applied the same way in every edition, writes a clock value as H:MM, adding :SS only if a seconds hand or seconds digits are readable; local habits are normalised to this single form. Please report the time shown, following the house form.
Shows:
6:26
